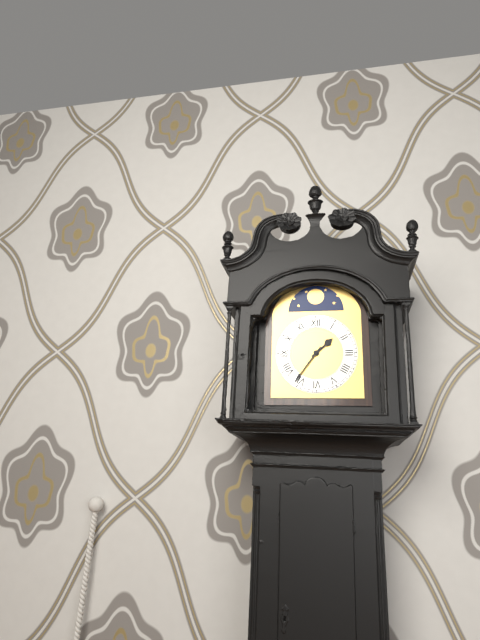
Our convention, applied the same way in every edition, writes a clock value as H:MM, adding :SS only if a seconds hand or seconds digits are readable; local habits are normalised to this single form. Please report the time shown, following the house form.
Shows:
1:36
